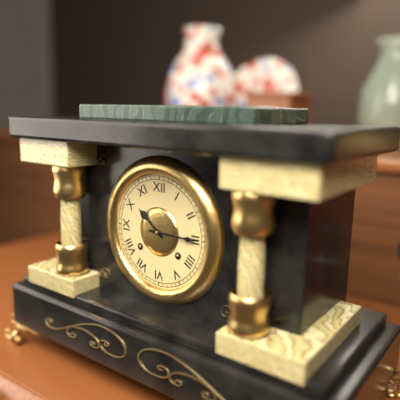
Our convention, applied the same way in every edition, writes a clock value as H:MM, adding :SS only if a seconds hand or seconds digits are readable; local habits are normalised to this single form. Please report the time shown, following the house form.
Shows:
10:15
